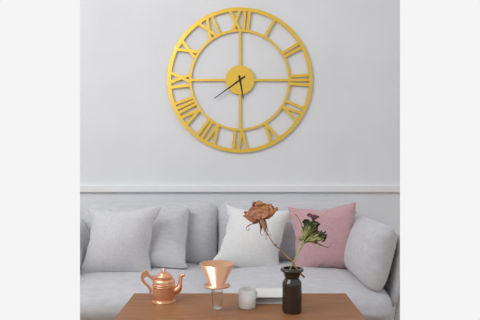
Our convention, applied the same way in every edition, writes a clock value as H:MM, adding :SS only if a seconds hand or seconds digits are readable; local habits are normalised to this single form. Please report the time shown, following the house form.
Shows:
5:39
